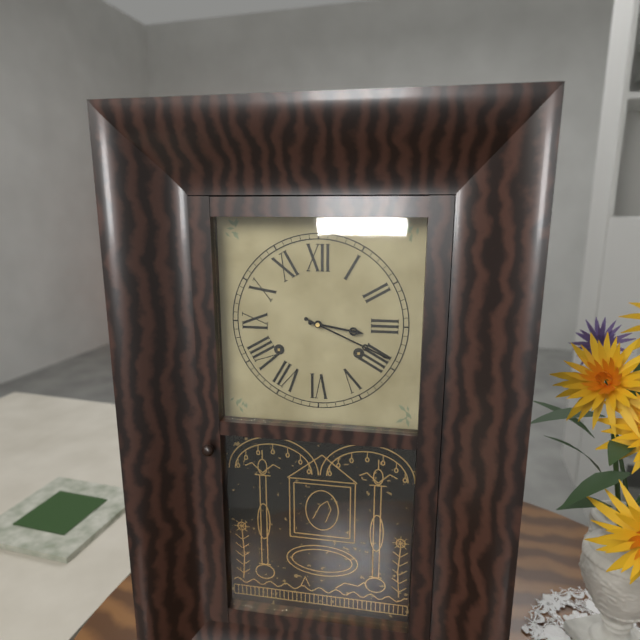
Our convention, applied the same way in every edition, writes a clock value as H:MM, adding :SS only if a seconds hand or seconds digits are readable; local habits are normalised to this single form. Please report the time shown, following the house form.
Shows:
3:19
